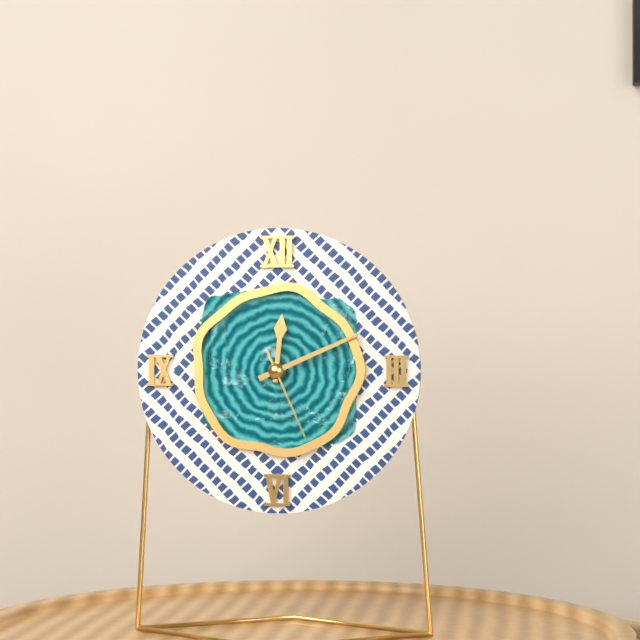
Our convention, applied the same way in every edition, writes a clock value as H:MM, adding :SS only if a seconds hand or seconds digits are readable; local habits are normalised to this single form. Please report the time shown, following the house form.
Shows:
12:11:26
